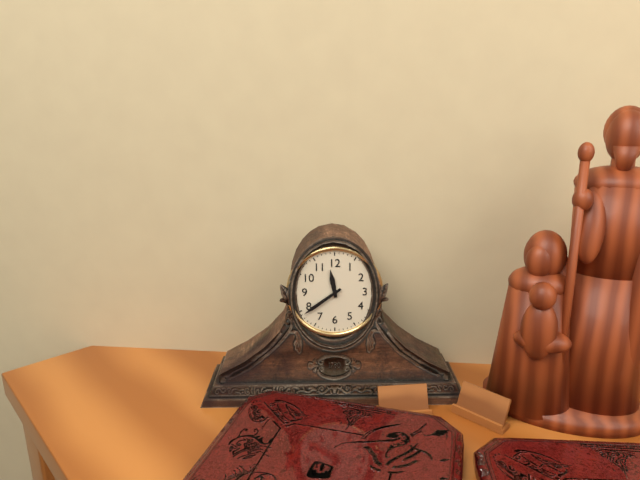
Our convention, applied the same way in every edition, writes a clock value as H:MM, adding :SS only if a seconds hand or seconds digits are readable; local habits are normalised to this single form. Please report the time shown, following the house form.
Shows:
11:39
